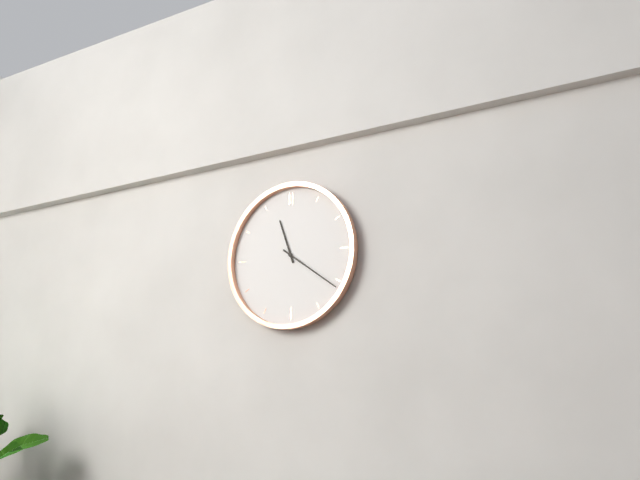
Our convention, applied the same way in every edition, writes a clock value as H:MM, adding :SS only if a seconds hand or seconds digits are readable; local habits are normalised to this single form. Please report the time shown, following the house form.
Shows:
11:21
